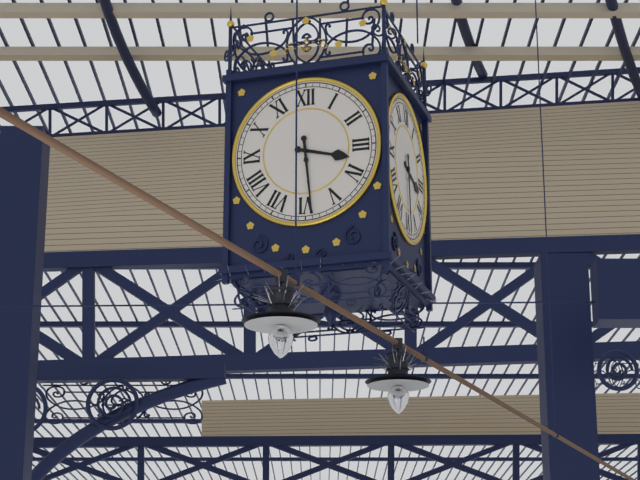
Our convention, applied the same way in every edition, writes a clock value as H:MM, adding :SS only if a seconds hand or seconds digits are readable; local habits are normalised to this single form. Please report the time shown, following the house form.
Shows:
3:29
